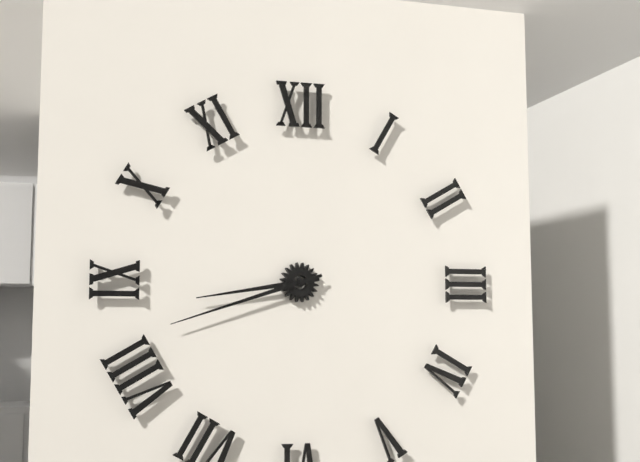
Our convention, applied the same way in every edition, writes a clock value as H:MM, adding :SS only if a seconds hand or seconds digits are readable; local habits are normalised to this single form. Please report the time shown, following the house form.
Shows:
8:42
